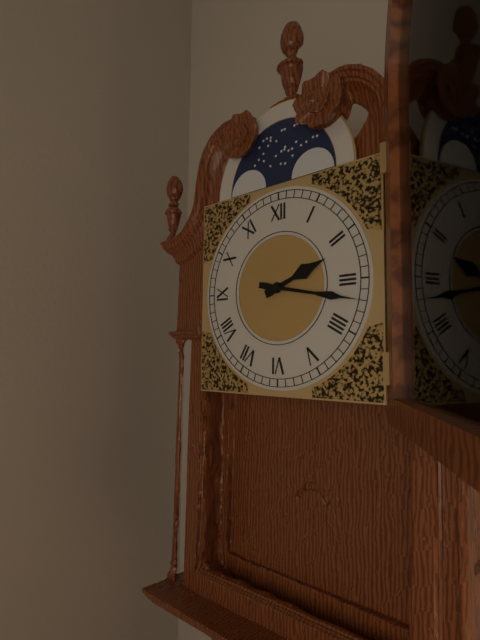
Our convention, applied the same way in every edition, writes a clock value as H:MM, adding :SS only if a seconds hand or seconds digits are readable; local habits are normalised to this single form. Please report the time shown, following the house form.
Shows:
2:17
